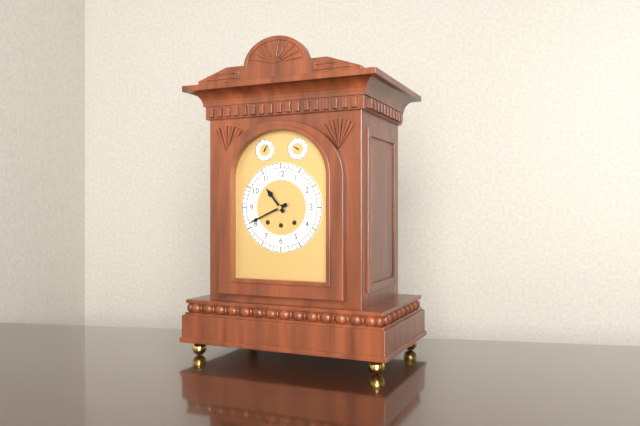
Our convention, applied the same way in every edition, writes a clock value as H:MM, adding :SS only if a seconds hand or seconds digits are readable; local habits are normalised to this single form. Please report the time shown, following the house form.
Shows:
10:41
